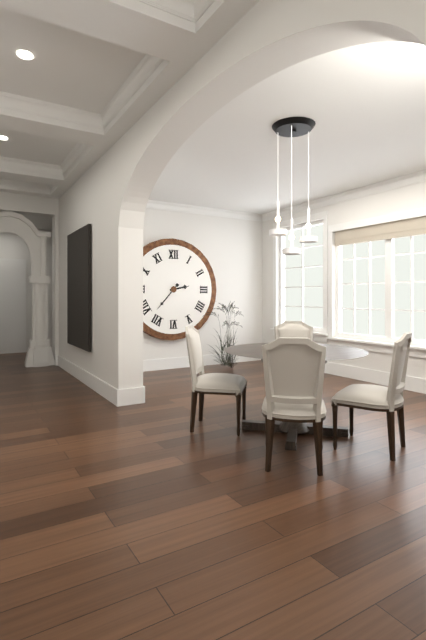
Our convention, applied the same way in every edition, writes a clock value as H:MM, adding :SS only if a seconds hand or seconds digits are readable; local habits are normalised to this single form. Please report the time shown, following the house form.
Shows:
2:37
